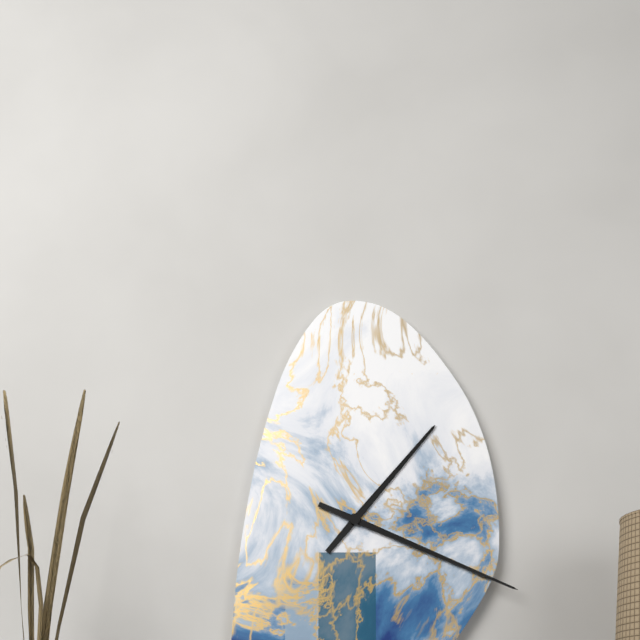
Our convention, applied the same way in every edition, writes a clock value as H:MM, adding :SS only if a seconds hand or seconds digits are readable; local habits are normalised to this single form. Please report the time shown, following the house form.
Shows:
1:19
